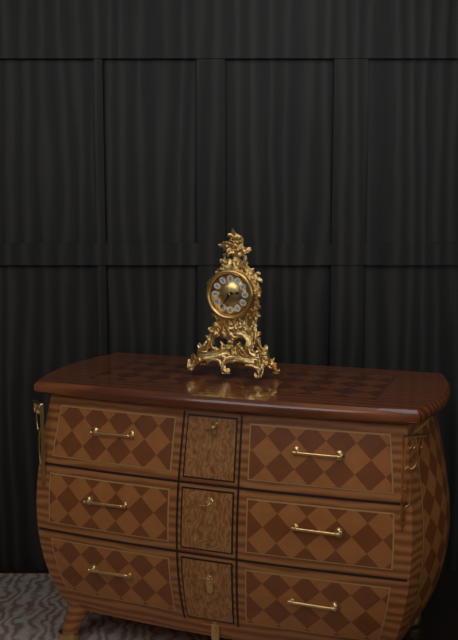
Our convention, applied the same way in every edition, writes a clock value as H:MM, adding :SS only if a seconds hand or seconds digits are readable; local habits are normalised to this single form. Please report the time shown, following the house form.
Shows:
2:36
